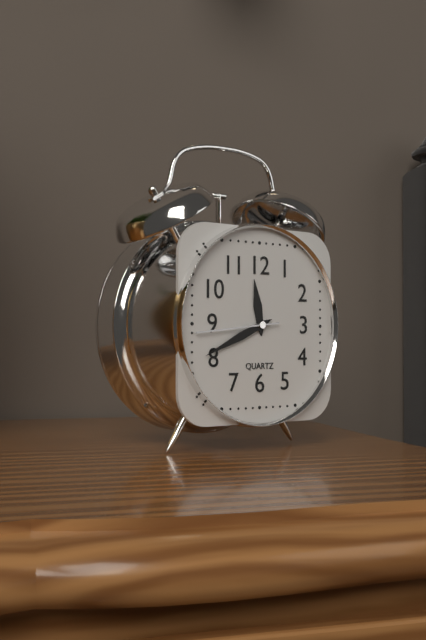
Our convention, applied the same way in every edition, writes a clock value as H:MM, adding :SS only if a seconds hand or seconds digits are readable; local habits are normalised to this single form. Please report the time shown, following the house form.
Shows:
11:41:44
